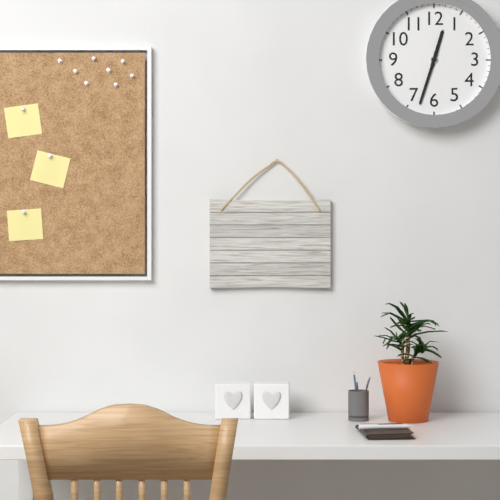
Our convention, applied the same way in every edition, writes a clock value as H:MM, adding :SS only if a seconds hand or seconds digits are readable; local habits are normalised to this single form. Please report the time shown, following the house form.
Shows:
12:33
